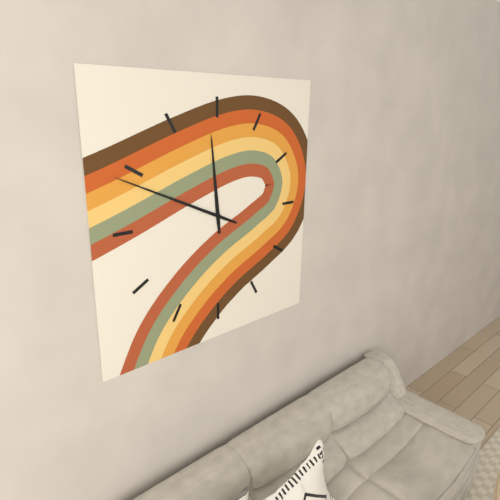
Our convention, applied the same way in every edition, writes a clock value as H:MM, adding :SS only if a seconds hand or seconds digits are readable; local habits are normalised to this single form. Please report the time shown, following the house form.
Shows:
11:49
